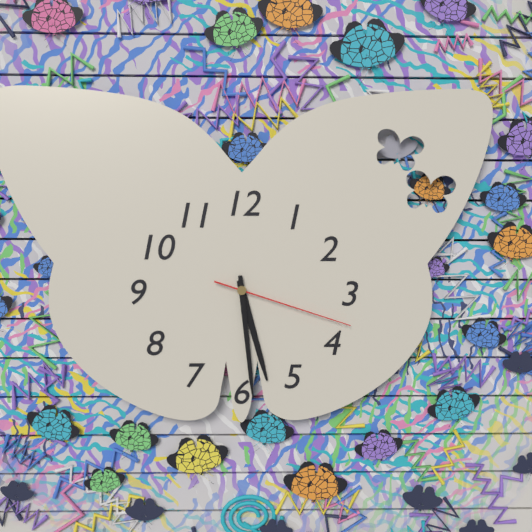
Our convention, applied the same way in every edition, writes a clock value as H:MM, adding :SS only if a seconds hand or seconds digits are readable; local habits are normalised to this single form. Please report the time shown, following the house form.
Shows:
5:29:18
